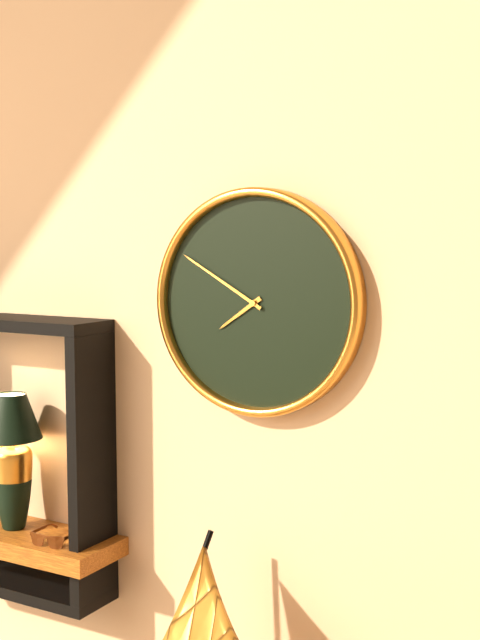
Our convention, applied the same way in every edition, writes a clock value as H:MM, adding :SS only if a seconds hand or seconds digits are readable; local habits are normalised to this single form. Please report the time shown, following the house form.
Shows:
7:50
